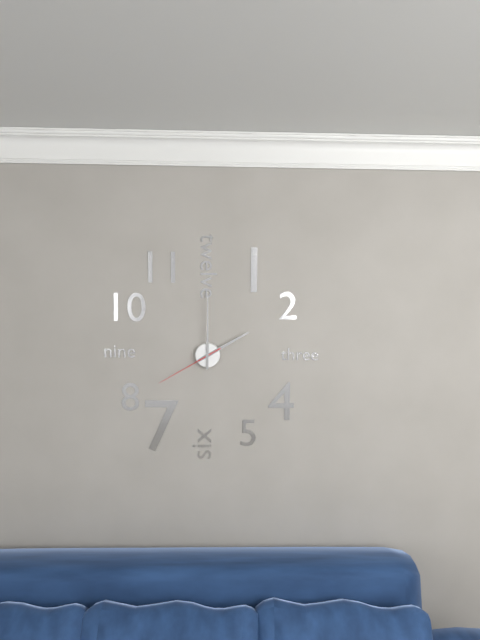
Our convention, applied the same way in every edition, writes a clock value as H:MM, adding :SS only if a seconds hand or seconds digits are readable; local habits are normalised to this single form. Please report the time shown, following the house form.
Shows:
2:00:40
